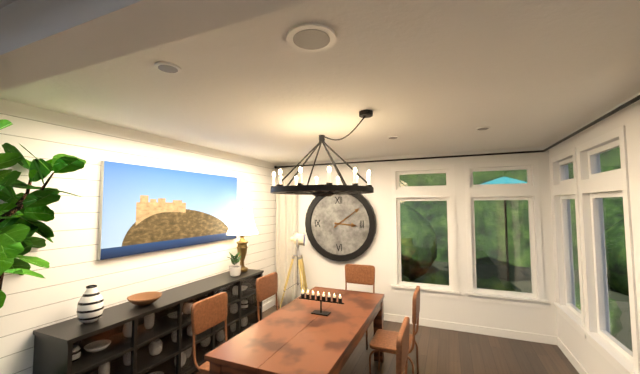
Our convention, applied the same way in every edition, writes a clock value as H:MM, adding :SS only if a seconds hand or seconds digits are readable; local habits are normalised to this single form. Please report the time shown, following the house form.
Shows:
3:09
